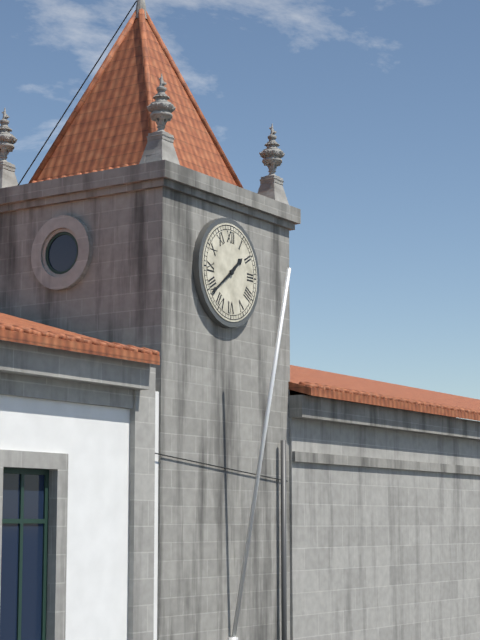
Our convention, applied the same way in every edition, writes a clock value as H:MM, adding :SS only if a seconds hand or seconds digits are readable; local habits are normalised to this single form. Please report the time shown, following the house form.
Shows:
1:39
